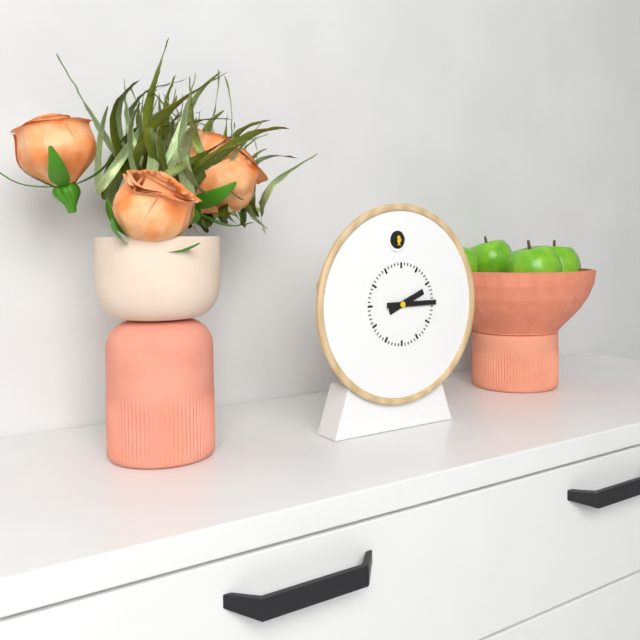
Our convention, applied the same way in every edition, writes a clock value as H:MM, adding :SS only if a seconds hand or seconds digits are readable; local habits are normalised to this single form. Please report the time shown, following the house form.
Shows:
2:15
